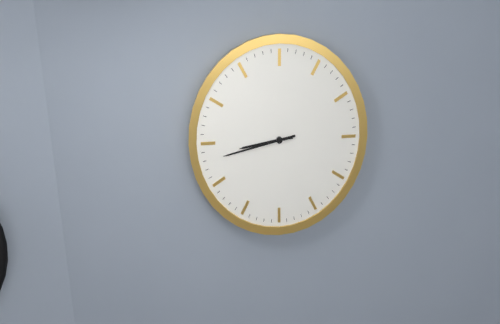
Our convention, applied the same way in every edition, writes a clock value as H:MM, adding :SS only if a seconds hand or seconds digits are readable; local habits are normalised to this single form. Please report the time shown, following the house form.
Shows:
8:43
